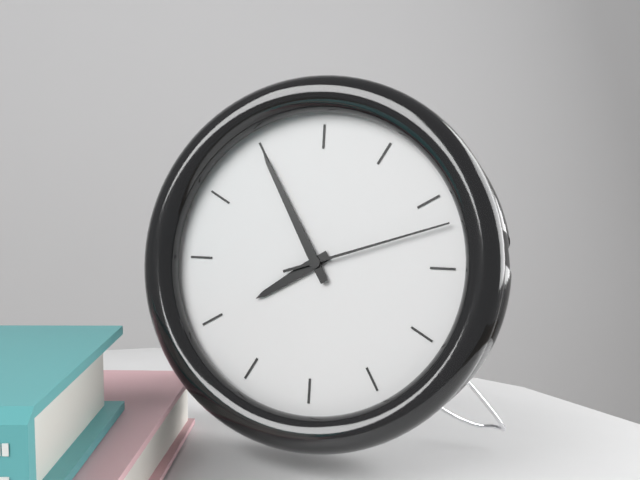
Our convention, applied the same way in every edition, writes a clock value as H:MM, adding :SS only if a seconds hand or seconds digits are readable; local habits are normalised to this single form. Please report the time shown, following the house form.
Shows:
7:55:12
